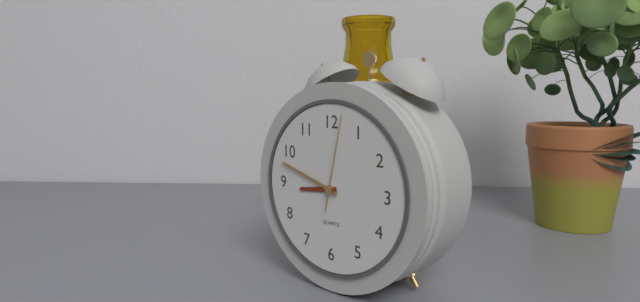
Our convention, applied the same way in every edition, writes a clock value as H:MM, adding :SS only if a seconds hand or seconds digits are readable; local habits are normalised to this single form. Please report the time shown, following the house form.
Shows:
8:48:02
